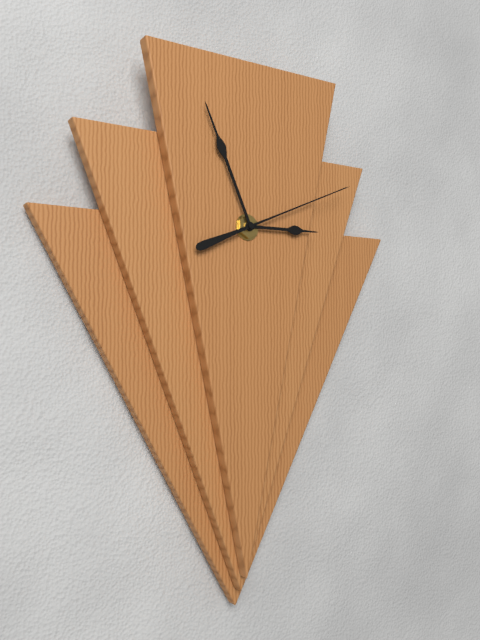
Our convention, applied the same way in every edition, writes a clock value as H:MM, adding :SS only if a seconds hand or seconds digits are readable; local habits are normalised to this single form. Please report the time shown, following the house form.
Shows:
2:56:11
